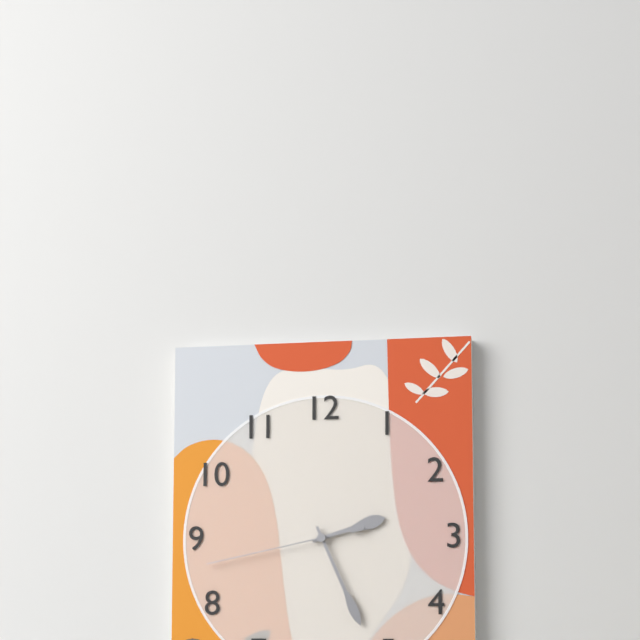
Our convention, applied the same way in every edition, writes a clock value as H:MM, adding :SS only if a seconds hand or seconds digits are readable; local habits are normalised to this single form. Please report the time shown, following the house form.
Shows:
2:26:43
